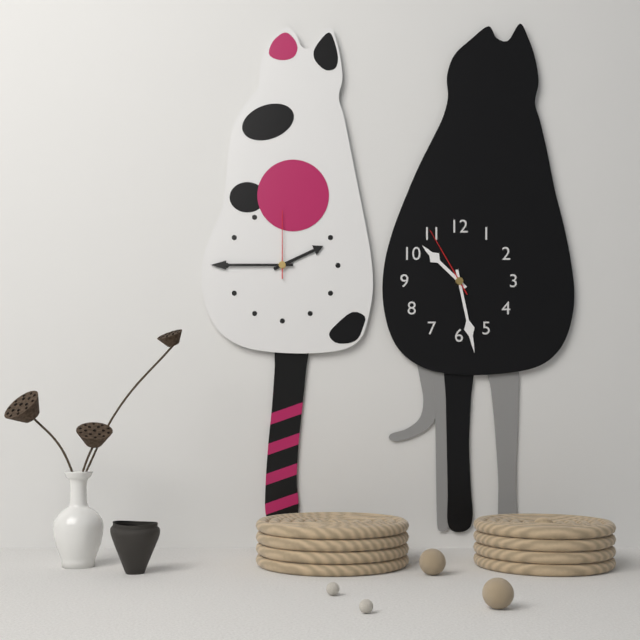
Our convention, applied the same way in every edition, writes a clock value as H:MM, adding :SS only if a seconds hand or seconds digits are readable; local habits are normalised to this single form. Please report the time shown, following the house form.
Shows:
10:28:55
